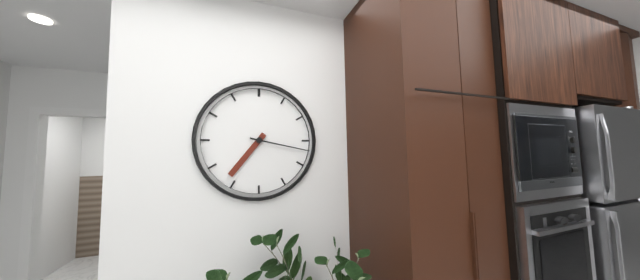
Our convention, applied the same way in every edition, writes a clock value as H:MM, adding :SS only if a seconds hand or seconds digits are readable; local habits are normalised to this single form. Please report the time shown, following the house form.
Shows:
7:17
